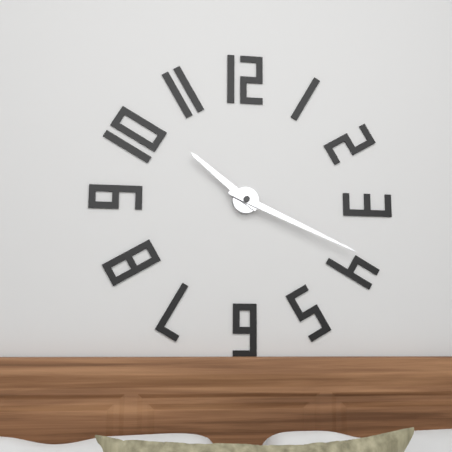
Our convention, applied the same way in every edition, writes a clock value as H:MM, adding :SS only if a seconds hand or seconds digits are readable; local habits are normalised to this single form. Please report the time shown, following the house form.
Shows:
10:19
